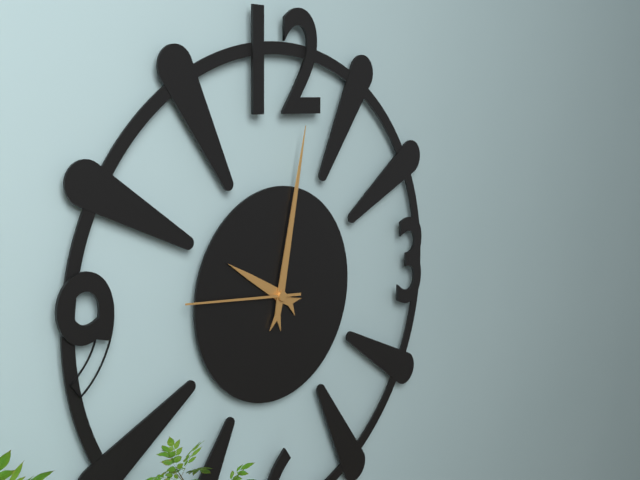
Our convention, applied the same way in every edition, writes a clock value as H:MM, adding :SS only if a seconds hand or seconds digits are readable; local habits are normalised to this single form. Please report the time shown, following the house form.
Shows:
10:02:46
